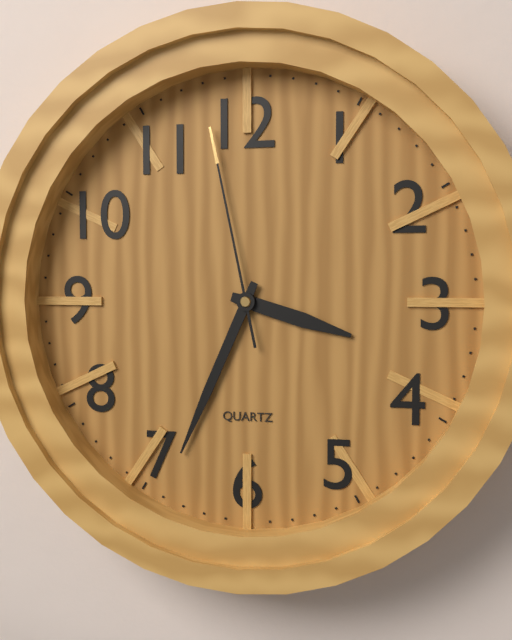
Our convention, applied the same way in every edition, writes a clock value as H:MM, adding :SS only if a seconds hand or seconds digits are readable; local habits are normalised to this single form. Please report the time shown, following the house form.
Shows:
3:34:58
